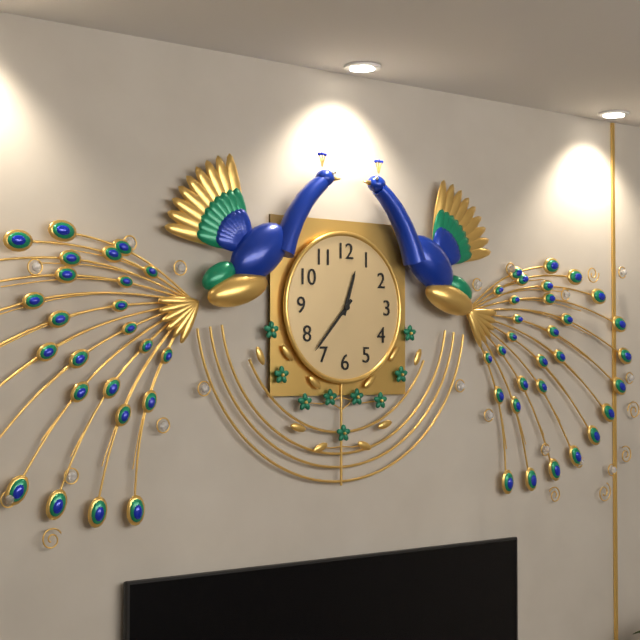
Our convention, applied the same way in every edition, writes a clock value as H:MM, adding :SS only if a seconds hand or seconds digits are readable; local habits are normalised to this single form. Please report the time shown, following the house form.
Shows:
12:37
